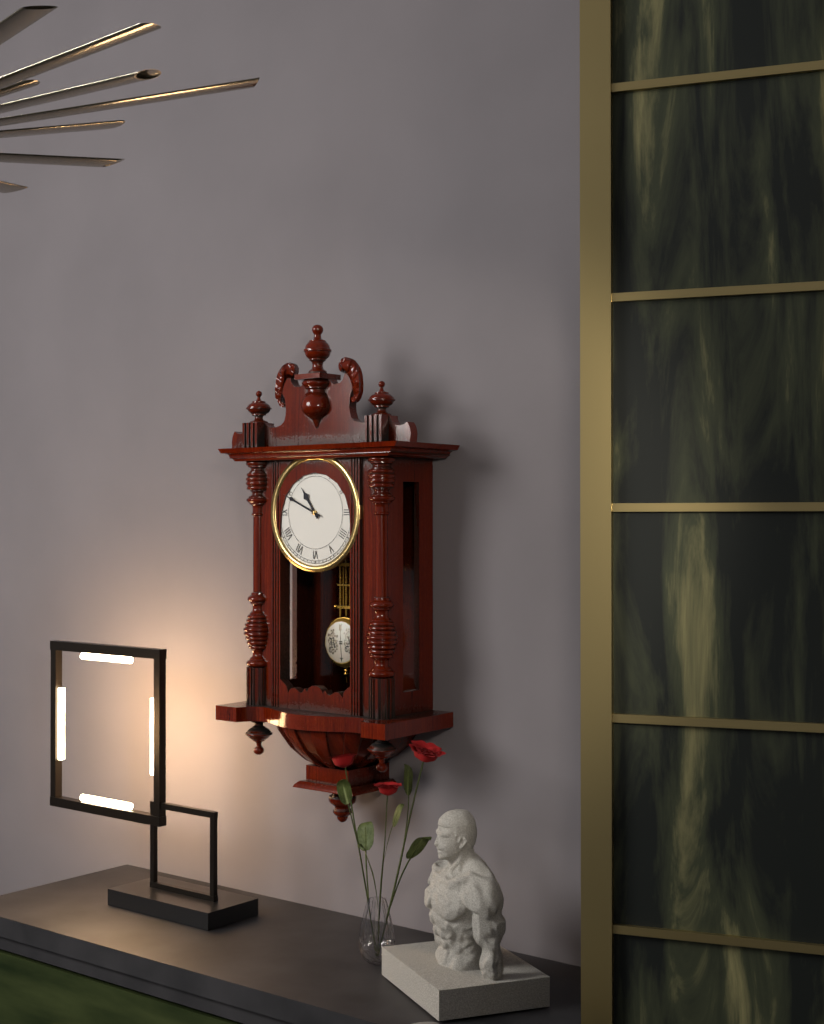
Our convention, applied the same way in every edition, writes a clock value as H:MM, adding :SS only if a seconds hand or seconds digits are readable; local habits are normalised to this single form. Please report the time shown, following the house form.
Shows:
10:49
